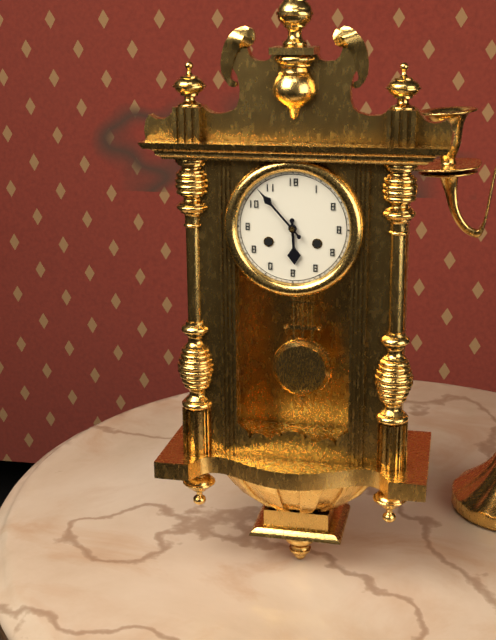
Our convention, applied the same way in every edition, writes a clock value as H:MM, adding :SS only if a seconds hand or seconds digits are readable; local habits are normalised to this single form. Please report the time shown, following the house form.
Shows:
5:53
